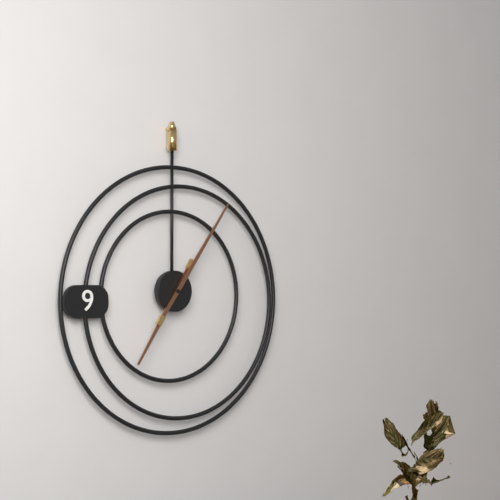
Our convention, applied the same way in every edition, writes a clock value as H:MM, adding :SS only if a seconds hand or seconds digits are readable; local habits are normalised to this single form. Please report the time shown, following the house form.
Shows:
7:06
